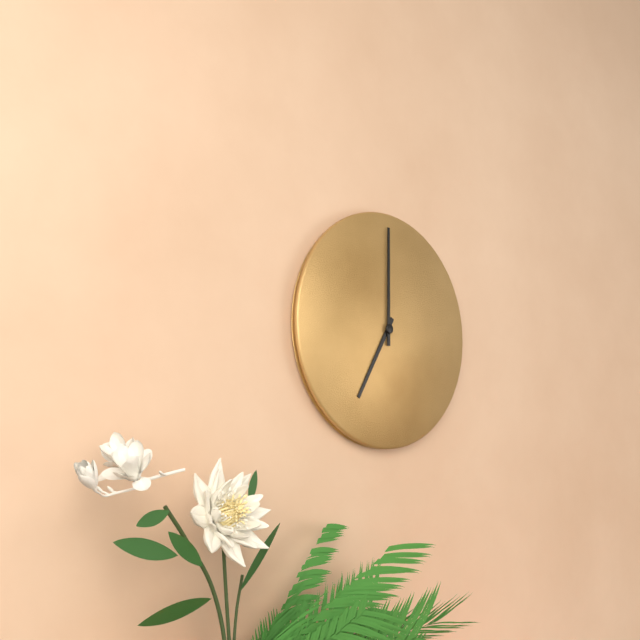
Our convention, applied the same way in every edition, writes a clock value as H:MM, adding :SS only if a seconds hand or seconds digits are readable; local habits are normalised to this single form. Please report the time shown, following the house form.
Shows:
7:00
